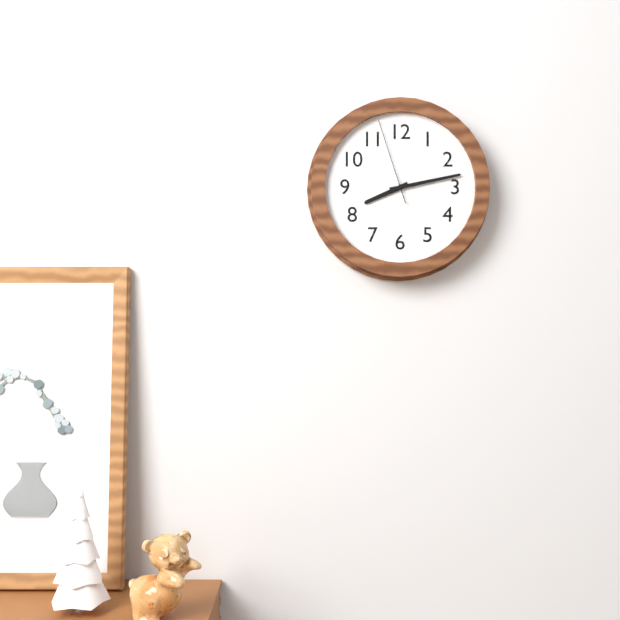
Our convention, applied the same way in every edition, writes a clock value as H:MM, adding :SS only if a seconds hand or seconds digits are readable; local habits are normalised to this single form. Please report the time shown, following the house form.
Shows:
8:13:57
